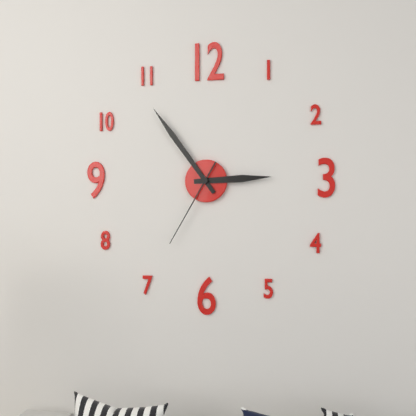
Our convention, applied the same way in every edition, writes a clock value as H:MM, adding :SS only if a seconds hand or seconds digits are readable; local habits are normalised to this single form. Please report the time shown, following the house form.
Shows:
2:54:35
